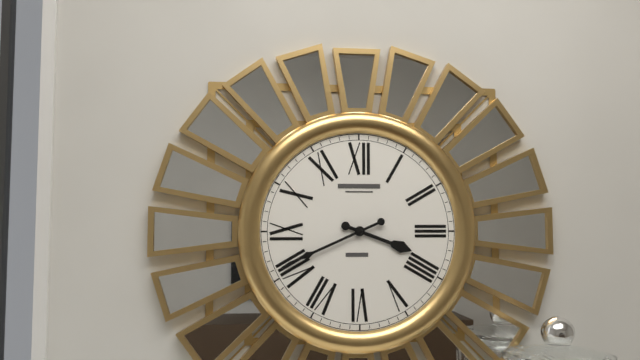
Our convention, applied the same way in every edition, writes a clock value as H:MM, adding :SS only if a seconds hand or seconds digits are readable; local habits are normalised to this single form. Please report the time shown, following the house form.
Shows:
3:41
